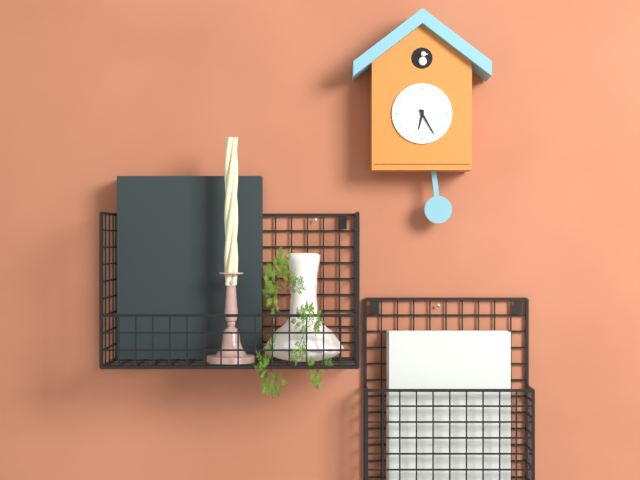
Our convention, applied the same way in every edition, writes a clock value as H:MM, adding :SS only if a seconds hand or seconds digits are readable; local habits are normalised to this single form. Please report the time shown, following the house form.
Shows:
6:25
